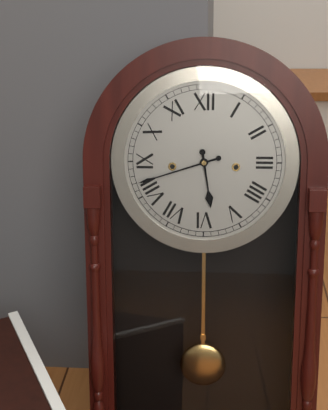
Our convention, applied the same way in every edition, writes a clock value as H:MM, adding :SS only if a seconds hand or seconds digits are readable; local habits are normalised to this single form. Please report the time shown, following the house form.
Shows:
5:42
